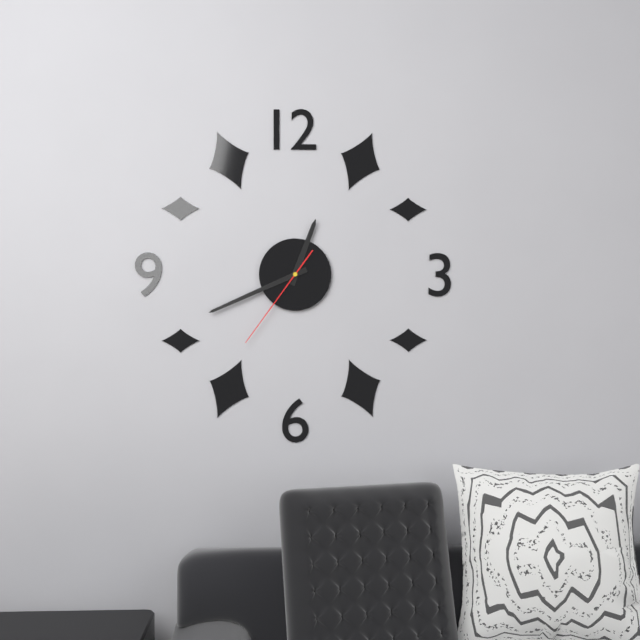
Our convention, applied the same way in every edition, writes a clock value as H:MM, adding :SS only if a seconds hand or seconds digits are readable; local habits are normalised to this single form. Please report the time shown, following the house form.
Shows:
12:41:36
